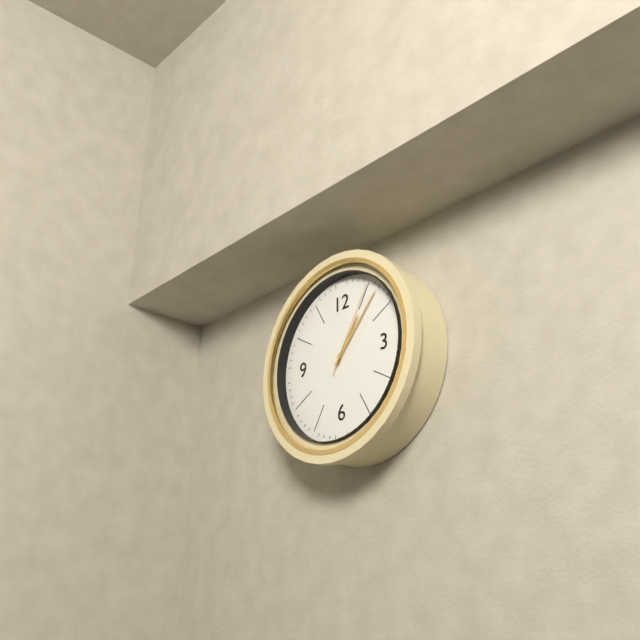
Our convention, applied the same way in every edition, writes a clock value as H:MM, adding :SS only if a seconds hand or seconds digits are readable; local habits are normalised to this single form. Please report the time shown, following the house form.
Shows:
1:07:05
